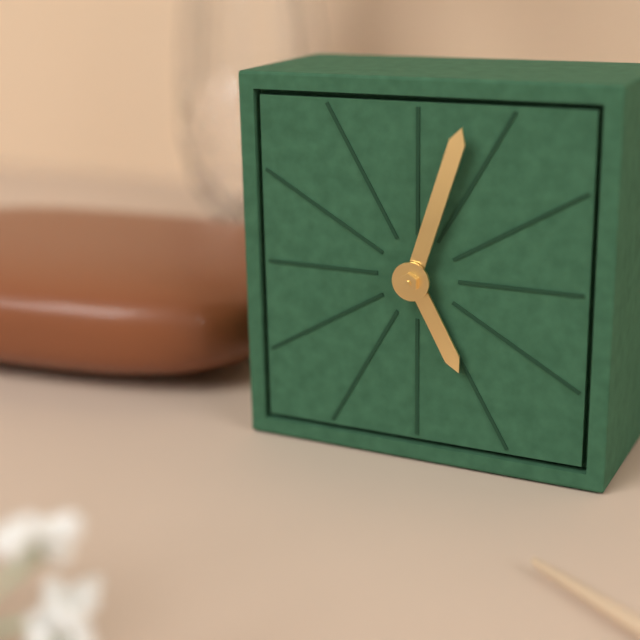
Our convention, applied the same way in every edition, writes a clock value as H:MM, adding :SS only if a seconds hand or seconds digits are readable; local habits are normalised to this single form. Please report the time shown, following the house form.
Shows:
5:03
